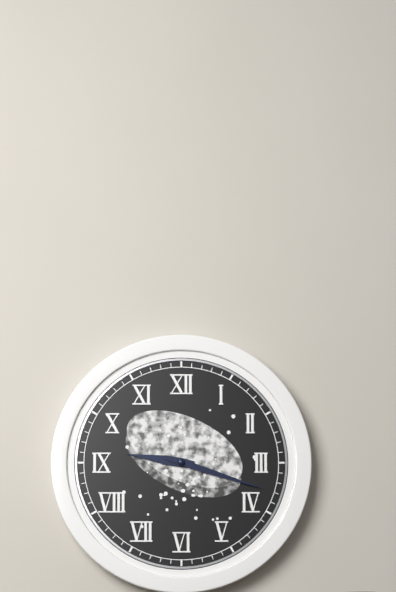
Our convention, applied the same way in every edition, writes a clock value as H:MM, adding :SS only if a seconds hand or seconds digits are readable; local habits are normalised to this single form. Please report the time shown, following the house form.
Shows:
9:18
